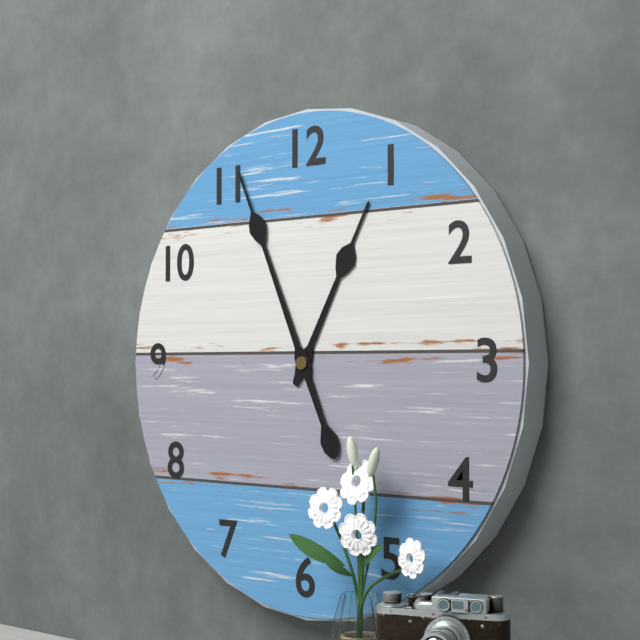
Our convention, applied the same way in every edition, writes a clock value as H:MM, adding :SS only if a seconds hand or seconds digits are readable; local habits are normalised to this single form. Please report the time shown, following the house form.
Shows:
12:56
